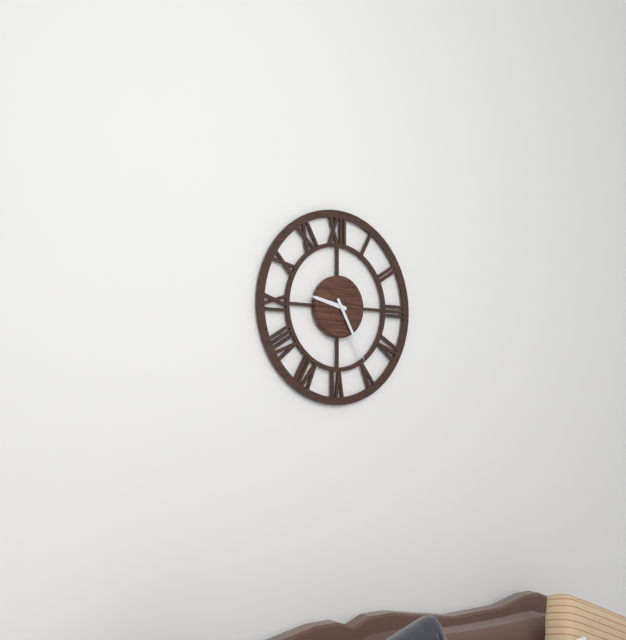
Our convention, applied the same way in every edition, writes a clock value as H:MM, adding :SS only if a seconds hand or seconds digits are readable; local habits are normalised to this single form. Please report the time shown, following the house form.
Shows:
9:25
